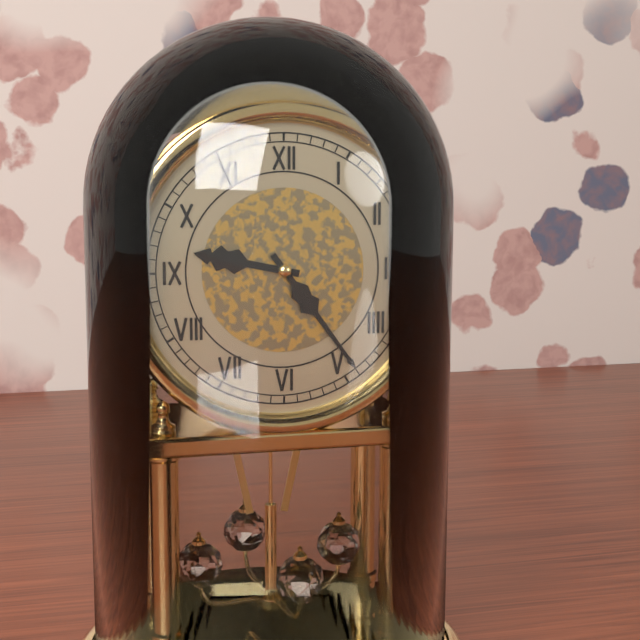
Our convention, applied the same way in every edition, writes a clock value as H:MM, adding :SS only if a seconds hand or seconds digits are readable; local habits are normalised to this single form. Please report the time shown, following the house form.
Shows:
9:24
